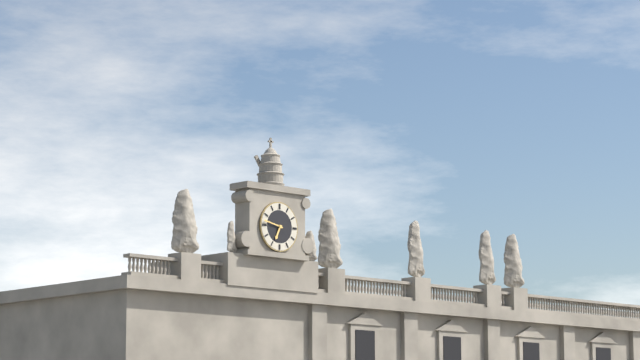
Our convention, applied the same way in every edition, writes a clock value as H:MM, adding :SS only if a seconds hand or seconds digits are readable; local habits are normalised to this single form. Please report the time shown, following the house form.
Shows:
6:47
